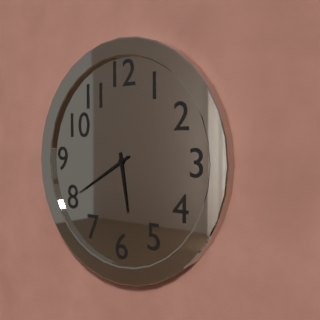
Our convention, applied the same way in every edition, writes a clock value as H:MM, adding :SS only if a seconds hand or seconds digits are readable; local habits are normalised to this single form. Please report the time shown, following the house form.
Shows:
5:40
